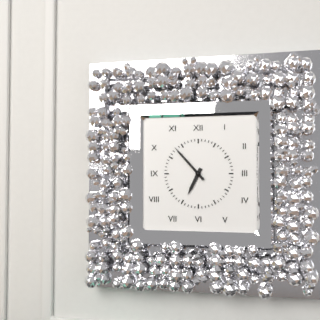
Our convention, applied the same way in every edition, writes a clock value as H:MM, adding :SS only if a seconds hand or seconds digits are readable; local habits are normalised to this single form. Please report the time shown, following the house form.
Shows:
6:53
